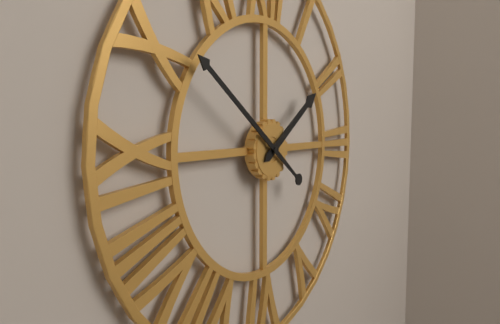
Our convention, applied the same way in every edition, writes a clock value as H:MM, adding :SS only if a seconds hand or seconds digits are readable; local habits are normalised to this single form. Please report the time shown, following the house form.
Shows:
1:51
